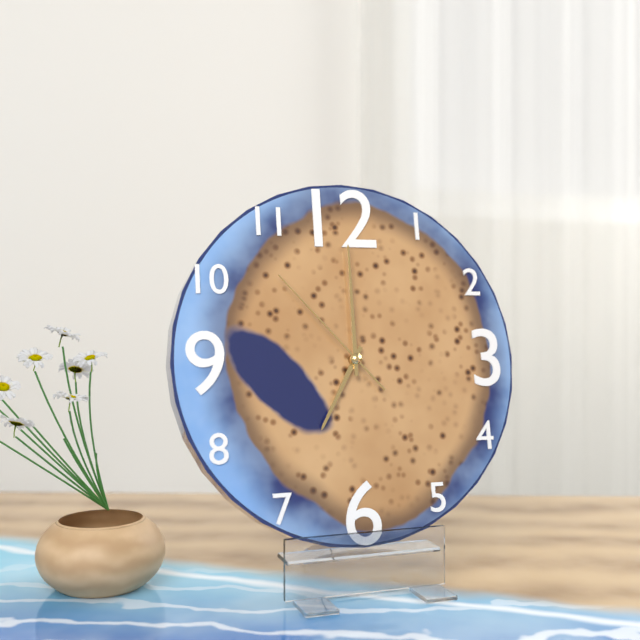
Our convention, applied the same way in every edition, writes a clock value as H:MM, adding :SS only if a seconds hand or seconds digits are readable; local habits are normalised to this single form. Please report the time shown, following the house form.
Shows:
7:00:53
